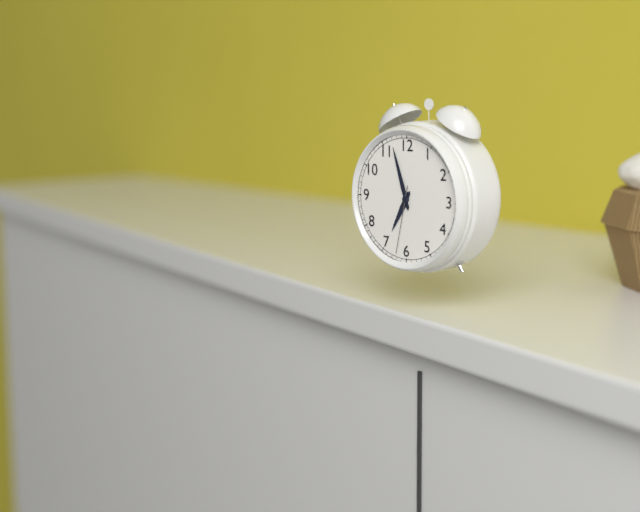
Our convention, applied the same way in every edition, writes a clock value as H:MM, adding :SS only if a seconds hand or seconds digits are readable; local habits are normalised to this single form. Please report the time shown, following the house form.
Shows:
6:57:32
